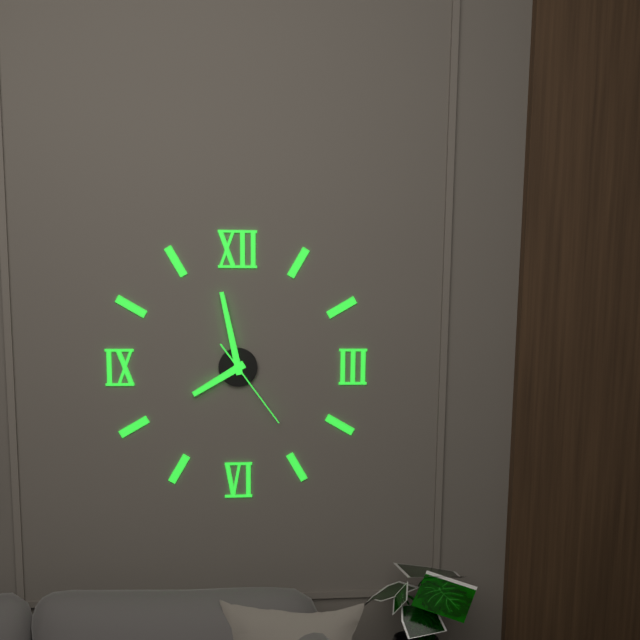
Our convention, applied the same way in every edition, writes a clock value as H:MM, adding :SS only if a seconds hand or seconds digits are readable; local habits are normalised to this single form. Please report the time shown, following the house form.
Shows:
7:58:24
